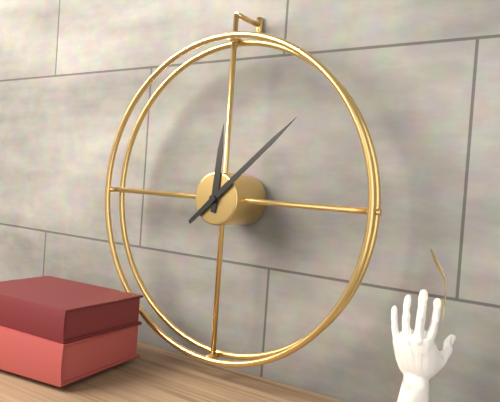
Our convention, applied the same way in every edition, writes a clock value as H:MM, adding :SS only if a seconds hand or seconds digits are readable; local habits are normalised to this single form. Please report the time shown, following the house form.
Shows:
12:08
